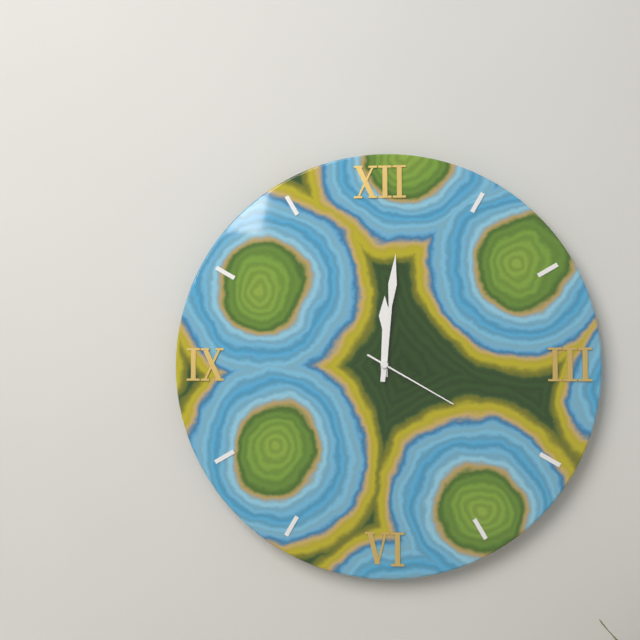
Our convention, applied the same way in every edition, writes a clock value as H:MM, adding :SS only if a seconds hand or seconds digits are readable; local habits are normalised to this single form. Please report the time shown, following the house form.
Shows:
12:01:20
